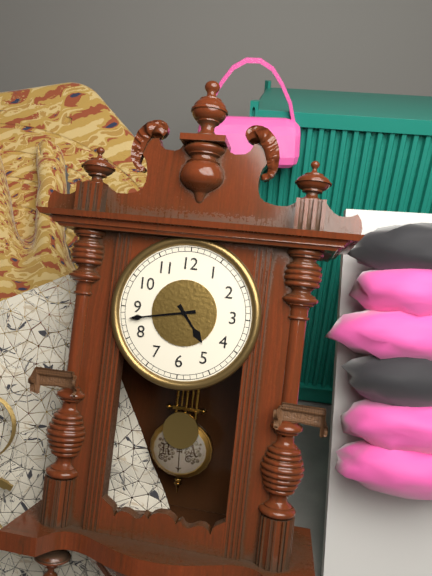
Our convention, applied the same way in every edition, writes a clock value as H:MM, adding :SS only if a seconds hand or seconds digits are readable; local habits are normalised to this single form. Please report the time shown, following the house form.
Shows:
4:43
